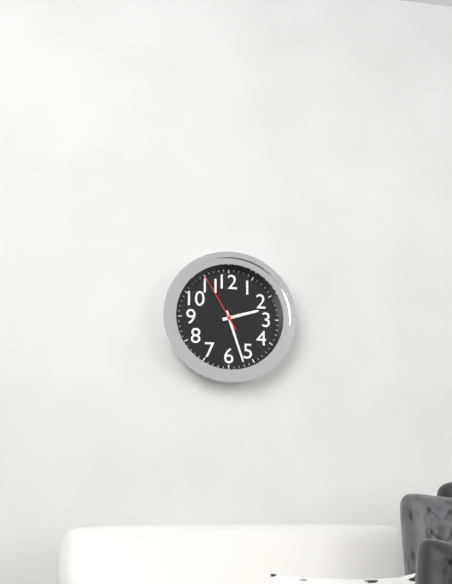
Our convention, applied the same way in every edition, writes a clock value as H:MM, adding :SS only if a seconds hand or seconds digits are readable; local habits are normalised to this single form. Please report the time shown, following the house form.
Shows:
2:27:55
